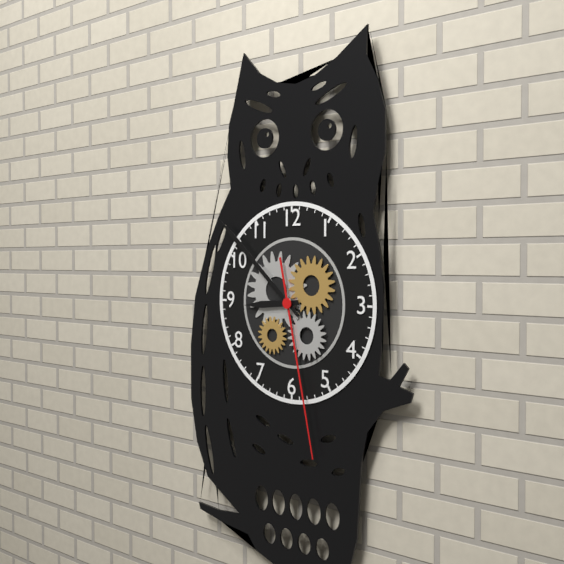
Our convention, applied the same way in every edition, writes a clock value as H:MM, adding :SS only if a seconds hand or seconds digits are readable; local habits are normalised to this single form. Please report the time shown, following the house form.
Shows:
8:52:28
